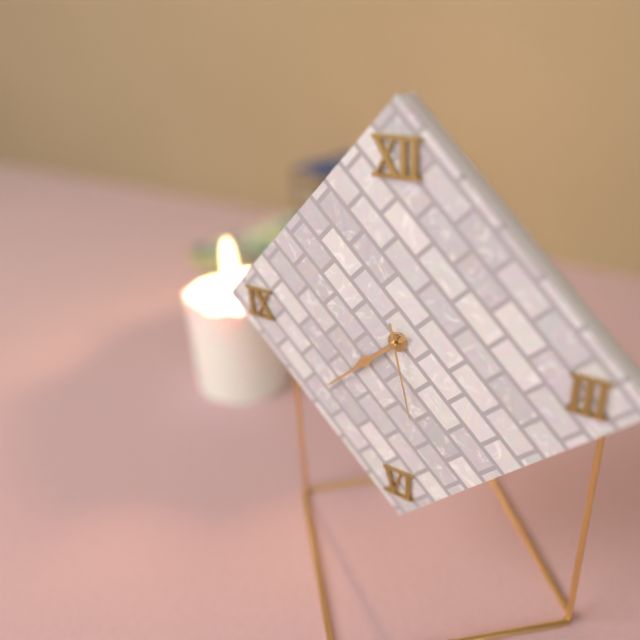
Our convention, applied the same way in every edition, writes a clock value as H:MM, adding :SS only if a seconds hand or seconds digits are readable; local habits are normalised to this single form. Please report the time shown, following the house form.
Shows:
7:38:28
